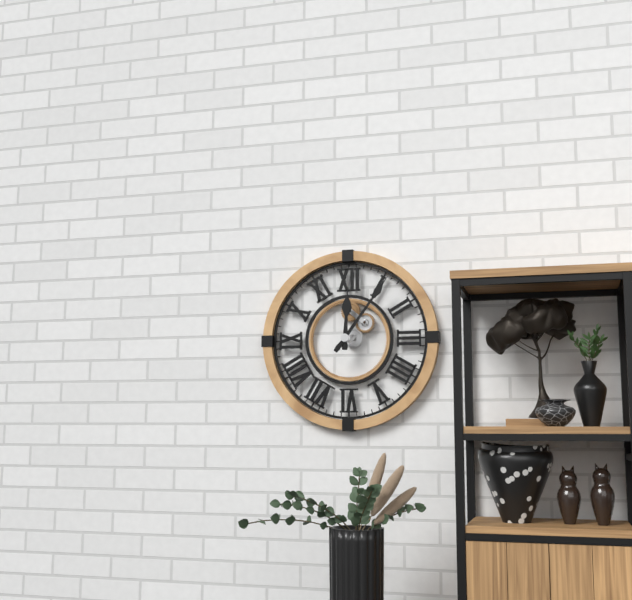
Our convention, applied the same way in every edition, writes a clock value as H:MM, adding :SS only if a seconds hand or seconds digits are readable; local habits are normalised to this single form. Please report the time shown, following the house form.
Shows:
12:06
